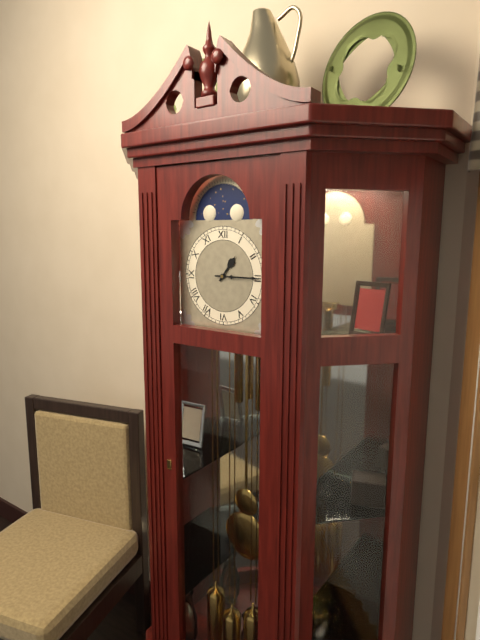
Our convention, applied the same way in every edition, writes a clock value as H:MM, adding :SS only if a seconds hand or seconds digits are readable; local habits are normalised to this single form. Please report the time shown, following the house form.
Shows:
1:15
